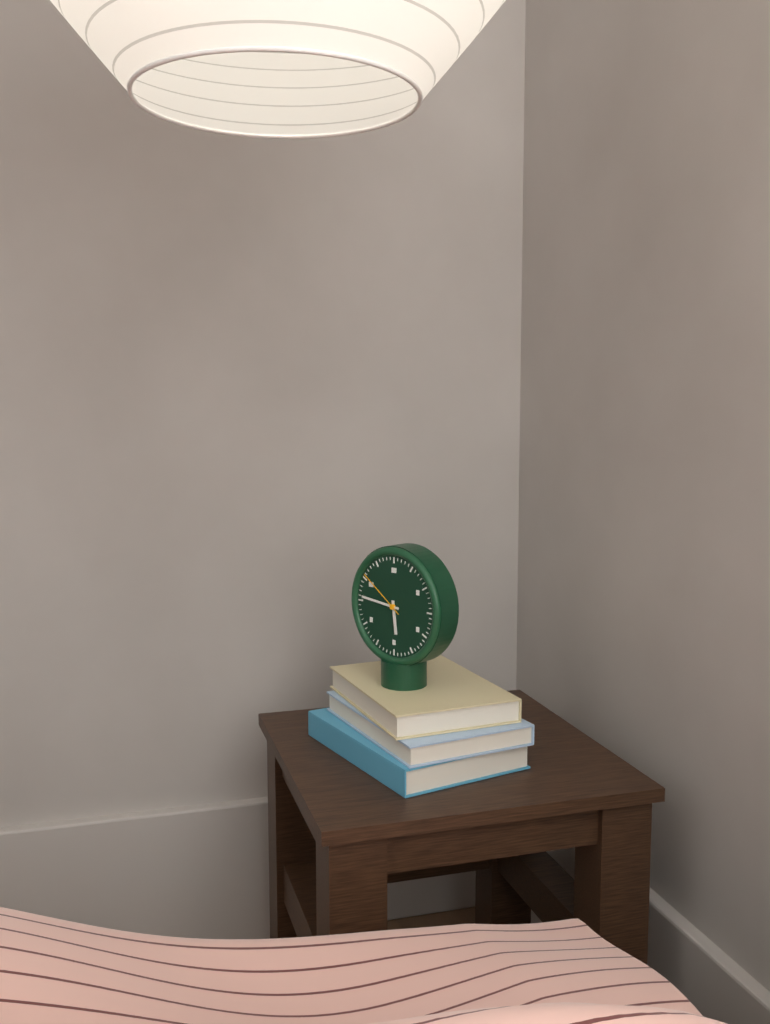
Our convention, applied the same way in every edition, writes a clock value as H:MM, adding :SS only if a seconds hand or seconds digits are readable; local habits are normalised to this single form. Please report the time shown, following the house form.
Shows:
5:46:51
